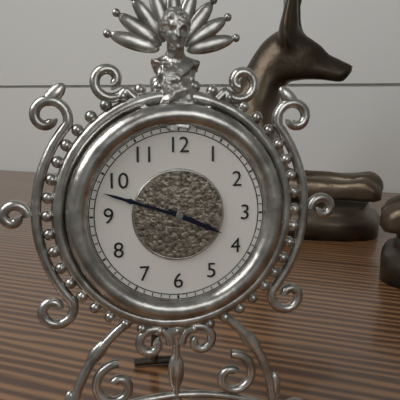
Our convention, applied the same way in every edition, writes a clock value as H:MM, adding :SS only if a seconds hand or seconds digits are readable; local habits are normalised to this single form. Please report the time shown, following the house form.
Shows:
3:48
